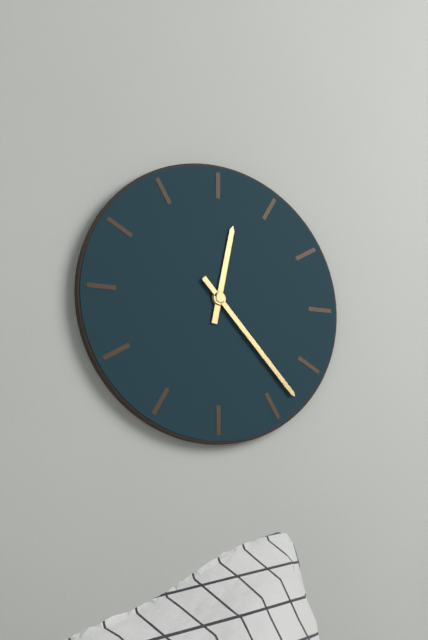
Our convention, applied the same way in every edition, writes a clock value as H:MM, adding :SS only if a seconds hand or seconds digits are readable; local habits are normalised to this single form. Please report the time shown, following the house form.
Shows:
12:23
